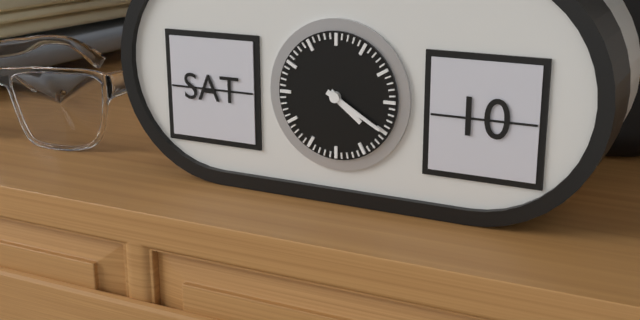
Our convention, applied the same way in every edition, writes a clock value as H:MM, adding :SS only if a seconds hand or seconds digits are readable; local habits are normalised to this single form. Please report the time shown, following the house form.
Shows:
4:20
